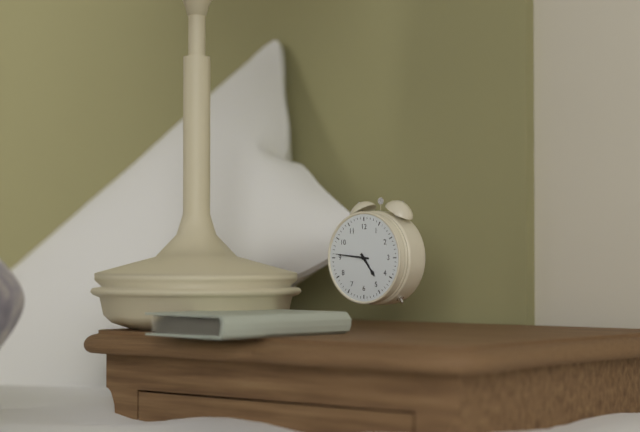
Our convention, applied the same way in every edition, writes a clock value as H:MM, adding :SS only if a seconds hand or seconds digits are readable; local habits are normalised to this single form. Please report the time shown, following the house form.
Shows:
4:46
